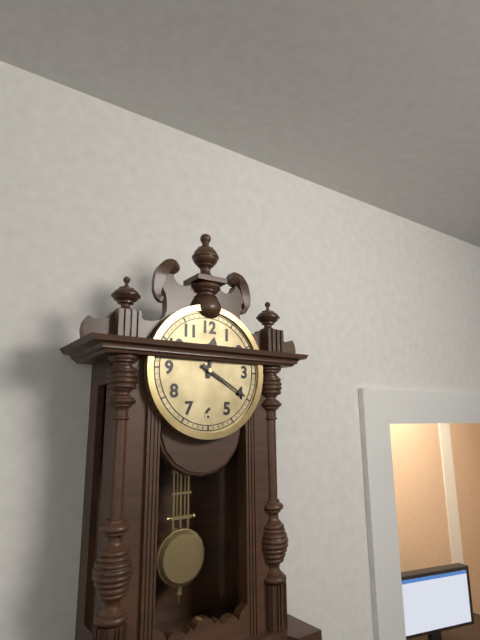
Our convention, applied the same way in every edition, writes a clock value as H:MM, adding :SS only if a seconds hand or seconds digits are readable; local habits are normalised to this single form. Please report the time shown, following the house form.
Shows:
12:20
